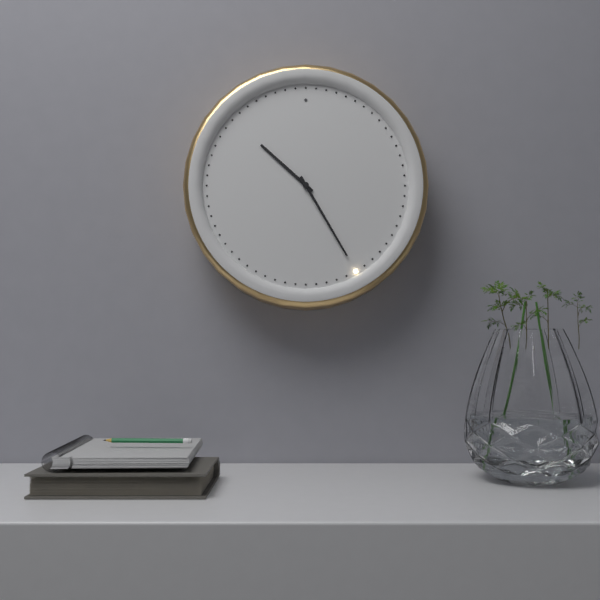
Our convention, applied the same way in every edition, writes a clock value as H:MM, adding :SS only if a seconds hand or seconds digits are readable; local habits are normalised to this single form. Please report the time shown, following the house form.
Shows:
10:25
